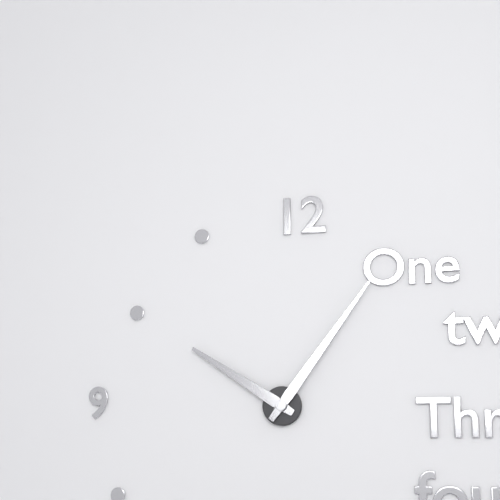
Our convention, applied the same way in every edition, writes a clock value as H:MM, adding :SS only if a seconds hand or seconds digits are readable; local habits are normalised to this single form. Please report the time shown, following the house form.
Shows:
10:06
